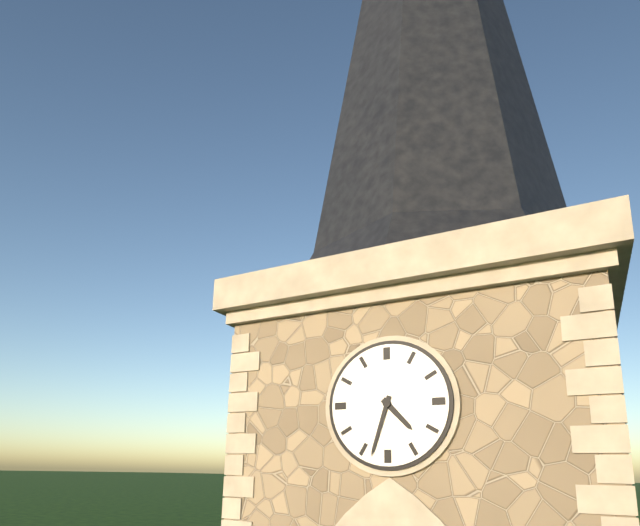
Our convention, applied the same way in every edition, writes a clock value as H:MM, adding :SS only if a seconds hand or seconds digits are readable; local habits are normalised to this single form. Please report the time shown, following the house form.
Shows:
4:33
